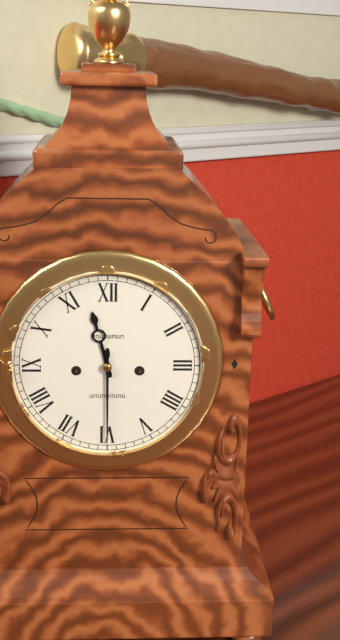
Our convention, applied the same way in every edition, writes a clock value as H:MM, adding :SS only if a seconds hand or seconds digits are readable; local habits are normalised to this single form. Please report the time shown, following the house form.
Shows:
11:30
